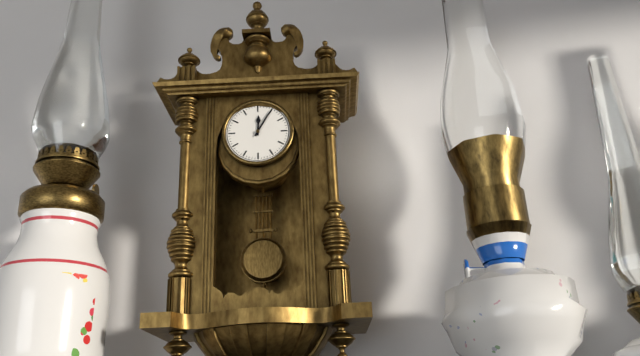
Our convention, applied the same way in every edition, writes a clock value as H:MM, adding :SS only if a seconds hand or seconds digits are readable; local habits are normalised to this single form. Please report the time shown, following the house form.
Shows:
12:05
